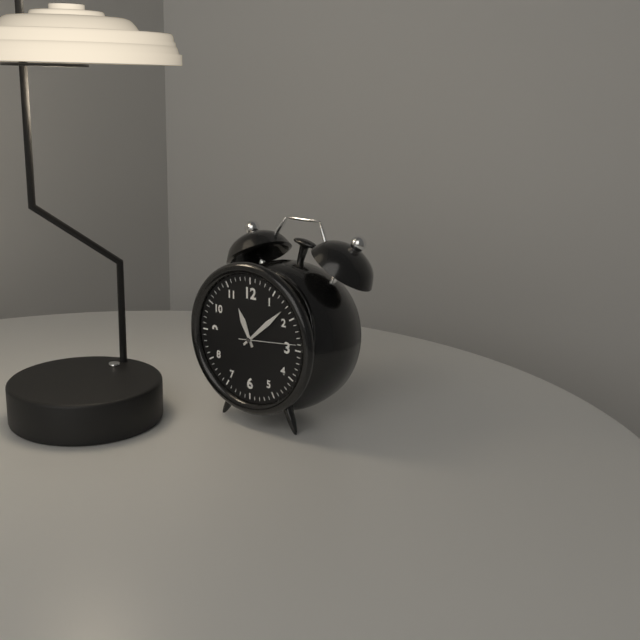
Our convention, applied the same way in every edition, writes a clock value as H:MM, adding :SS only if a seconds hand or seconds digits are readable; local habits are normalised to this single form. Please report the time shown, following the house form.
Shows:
11:08:14
